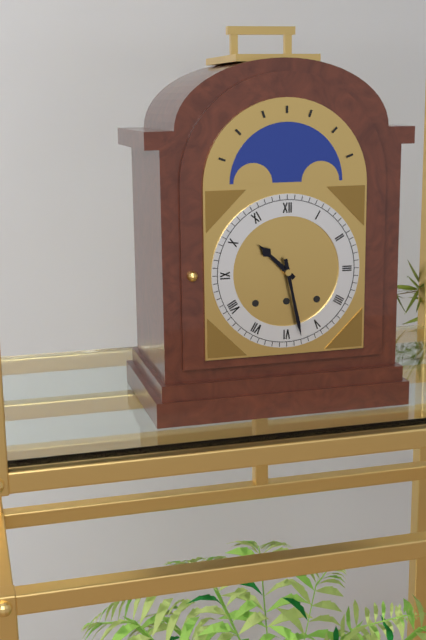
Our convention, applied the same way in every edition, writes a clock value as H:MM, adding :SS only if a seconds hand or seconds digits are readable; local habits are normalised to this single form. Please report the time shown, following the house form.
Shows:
10:28
